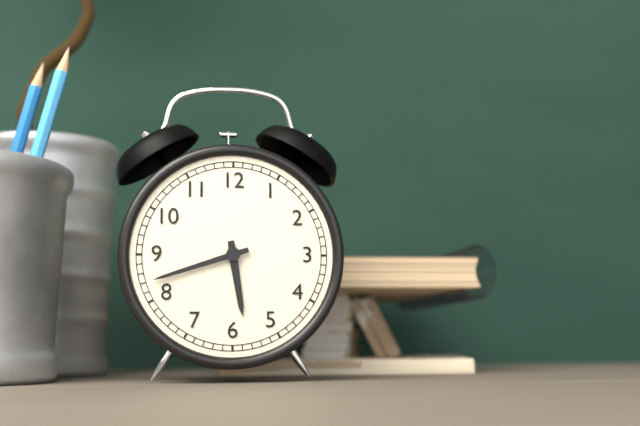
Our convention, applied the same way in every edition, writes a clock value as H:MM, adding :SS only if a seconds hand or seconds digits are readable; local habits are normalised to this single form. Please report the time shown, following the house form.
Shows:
5:42
